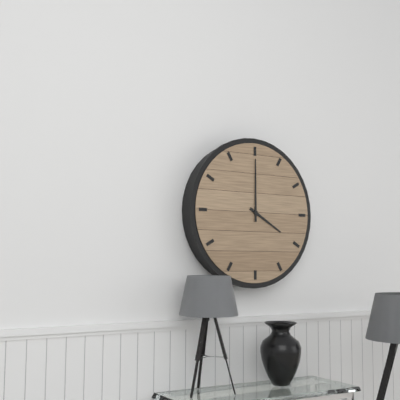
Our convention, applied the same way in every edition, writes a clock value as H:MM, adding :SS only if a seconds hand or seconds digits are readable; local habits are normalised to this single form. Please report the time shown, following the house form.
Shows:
4:00
